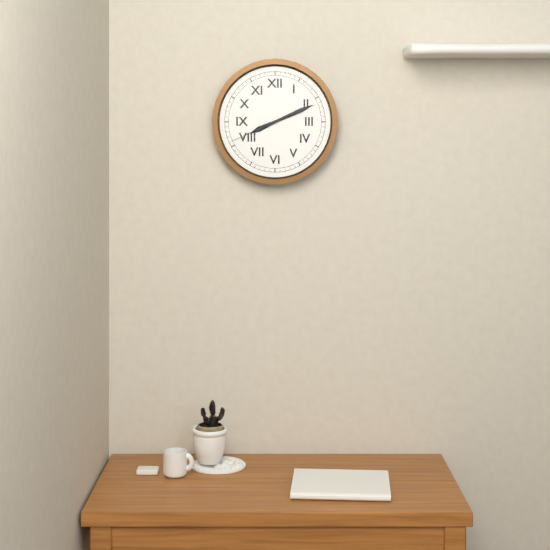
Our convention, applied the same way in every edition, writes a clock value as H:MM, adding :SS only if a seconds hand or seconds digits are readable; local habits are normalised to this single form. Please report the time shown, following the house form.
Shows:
8:11:41
